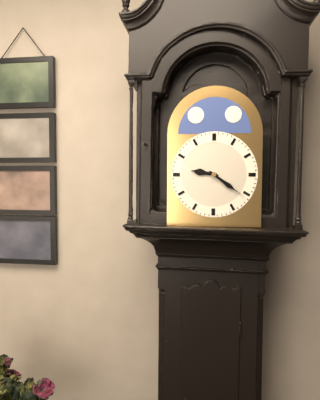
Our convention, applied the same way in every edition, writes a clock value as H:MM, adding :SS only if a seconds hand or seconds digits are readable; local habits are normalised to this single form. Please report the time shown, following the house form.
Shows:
9:21
